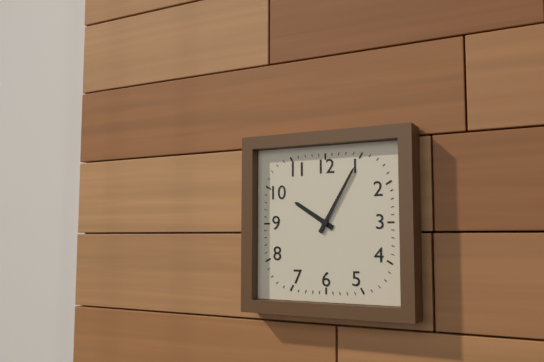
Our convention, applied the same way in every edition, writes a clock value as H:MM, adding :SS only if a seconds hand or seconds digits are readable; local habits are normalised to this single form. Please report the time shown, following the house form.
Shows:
10:05
